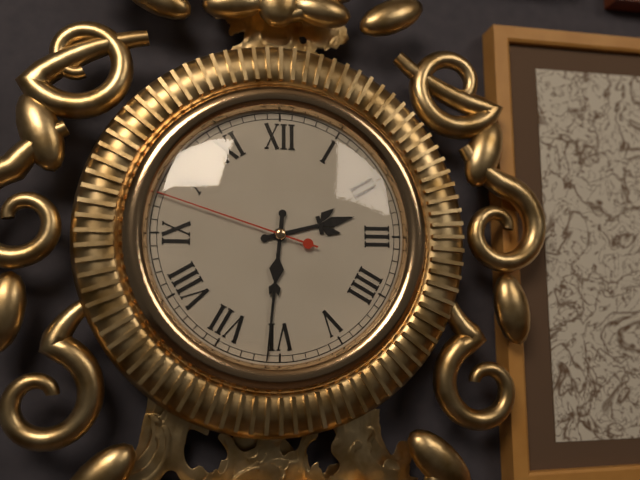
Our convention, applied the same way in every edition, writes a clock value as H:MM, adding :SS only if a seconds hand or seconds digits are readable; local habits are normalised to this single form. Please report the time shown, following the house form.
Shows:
2:31:48
